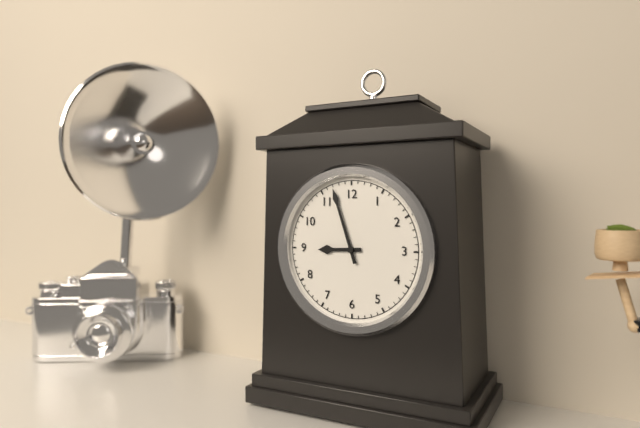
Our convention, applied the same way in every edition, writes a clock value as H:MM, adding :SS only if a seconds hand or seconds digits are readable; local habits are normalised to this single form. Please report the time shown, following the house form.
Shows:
8:57
